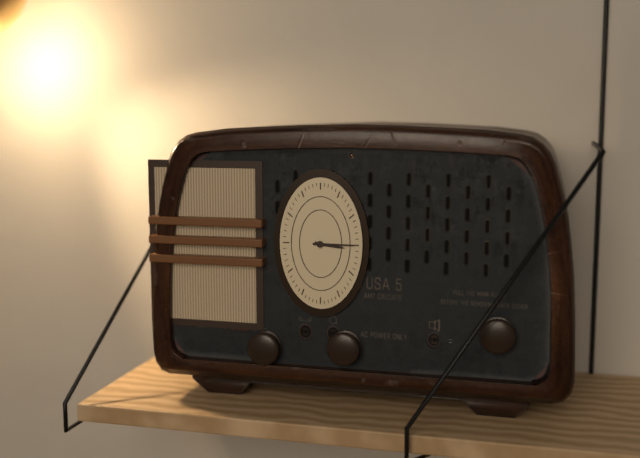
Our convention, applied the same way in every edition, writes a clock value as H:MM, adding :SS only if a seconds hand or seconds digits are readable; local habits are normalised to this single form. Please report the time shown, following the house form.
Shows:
3:15
